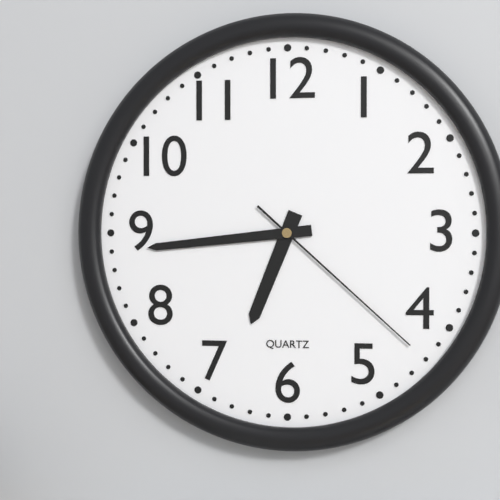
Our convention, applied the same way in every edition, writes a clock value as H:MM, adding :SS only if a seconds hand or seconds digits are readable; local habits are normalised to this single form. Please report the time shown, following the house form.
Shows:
6:44:22
